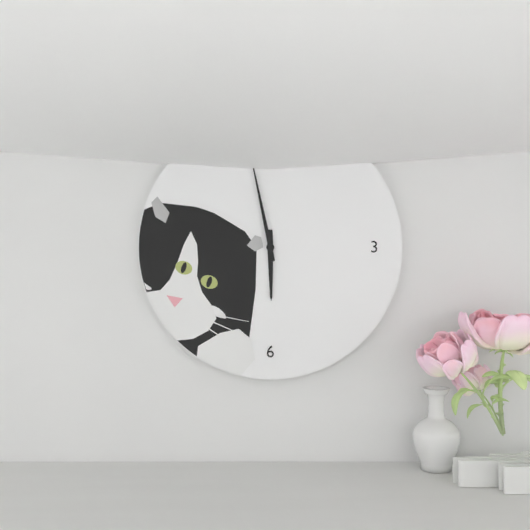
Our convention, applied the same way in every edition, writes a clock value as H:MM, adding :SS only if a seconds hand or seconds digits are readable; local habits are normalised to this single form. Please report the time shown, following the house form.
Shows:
5:58
